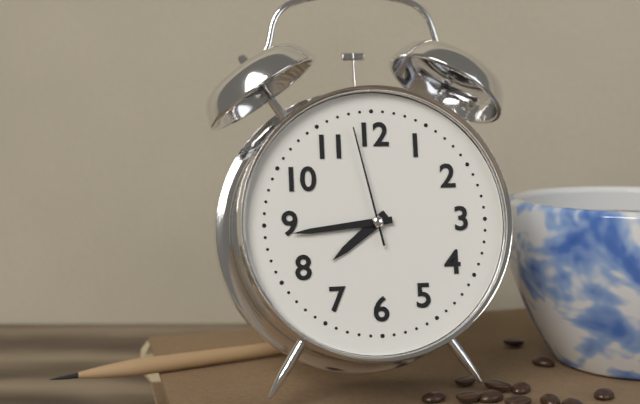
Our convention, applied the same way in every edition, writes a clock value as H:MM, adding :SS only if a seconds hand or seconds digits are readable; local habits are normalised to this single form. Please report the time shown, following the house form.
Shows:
7:44:58
